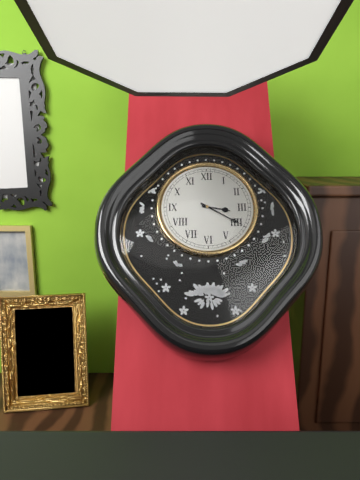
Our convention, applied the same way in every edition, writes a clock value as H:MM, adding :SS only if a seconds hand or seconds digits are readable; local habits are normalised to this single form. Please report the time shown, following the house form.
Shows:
3:20
